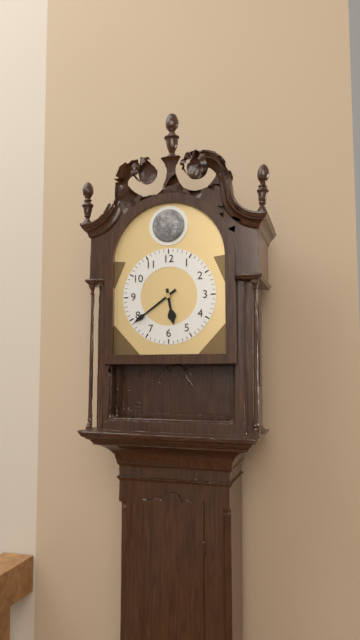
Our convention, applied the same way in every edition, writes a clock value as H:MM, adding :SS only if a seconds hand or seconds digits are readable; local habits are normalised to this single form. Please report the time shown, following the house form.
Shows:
5:39
